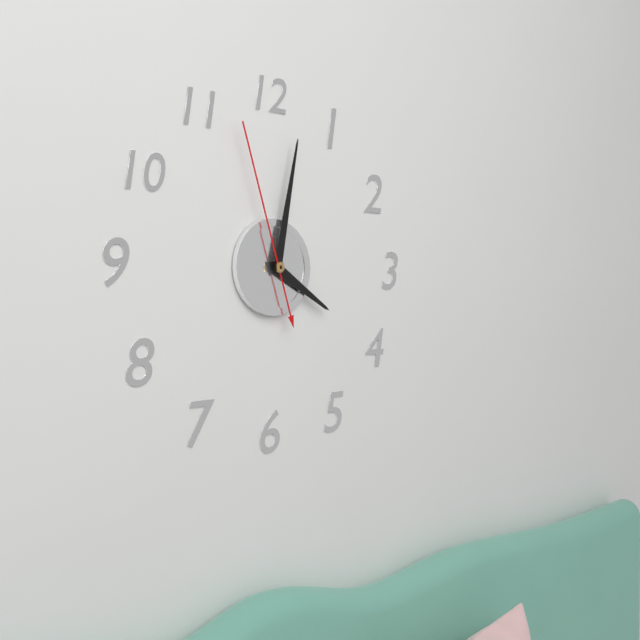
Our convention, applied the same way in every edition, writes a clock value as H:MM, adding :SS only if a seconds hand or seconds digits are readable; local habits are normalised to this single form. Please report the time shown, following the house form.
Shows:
4:02:57
